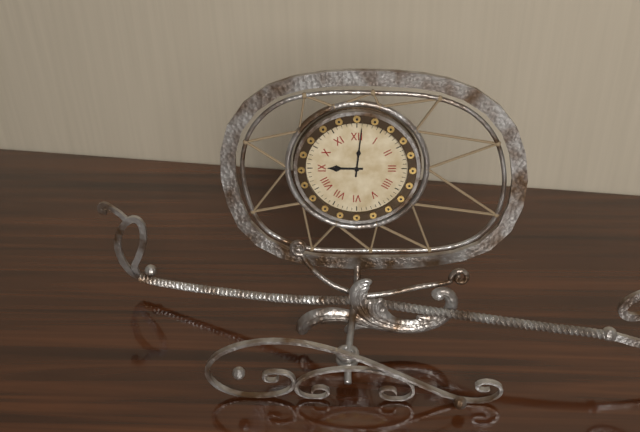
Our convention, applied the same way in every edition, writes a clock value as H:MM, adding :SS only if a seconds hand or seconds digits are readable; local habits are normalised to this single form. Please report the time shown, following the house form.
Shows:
9:01
